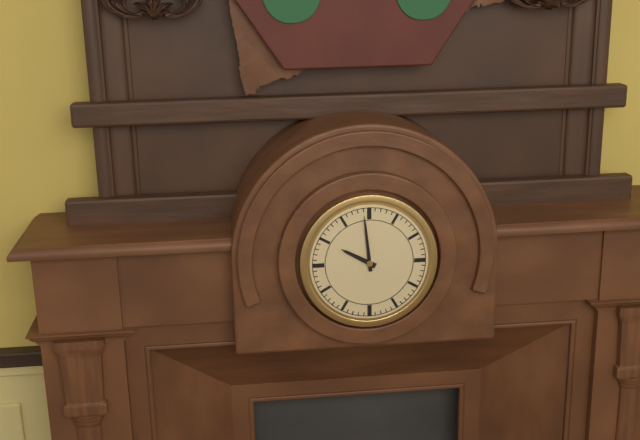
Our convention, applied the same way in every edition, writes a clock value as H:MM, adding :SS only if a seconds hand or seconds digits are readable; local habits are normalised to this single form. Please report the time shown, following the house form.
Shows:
9:59
